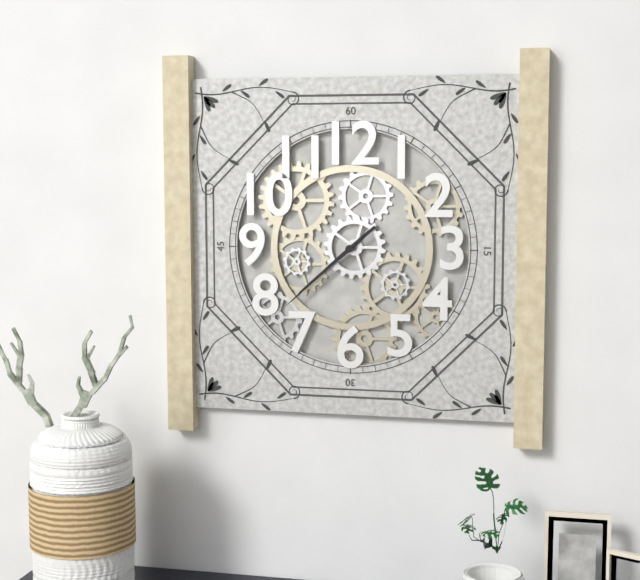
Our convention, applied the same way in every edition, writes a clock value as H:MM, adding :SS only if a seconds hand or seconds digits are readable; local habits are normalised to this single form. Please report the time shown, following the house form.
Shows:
7:38
